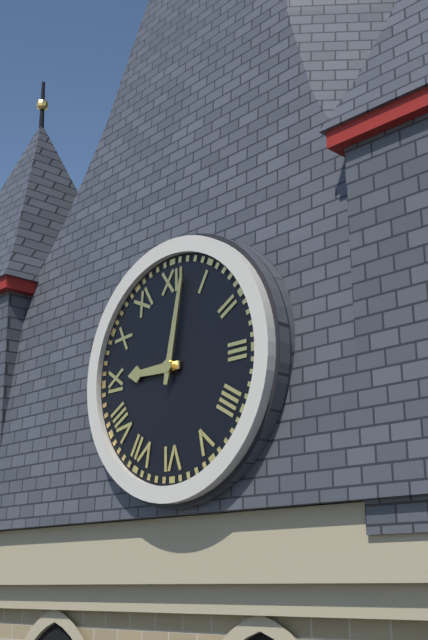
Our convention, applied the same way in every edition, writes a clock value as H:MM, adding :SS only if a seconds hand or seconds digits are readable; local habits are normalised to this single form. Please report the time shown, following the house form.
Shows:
9:02
